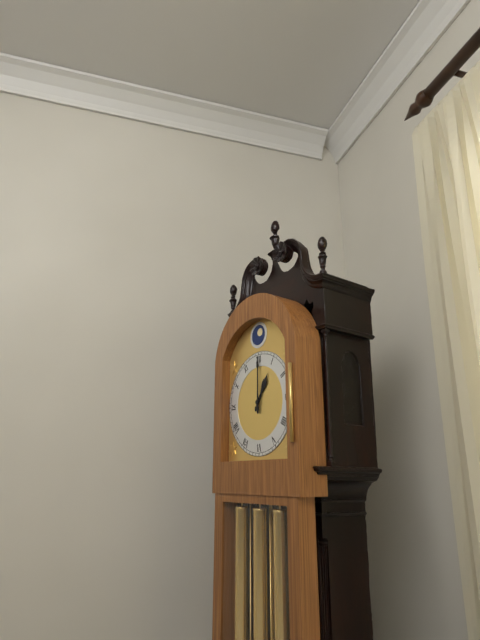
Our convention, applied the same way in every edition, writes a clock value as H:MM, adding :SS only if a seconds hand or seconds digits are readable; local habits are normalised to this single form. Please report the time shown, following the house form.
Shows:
1:00
